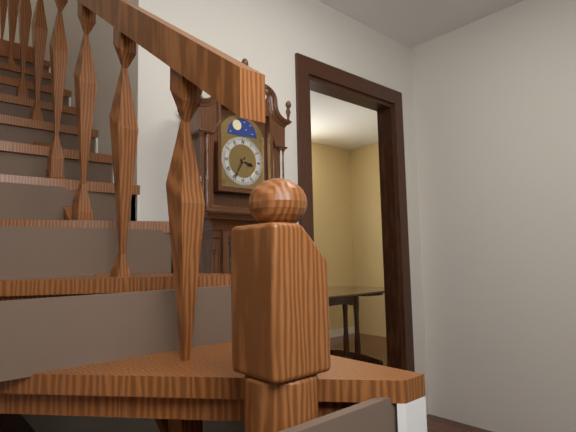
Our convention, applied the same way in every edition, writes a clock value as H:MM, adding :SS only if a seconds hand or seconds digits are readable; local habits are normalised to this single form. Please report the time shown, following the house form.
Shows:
3:35
